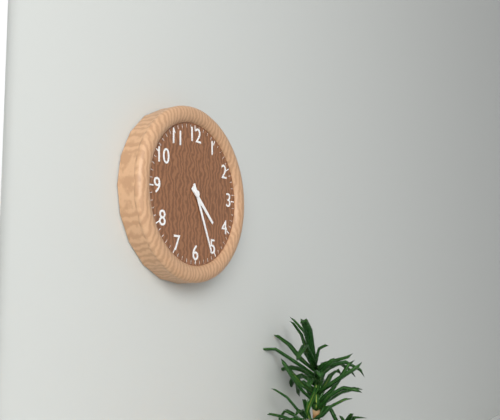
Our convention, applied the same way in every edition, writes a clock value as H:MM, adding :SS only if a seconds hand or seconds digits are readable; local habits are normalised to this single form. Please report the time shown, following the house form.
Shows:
4:26
